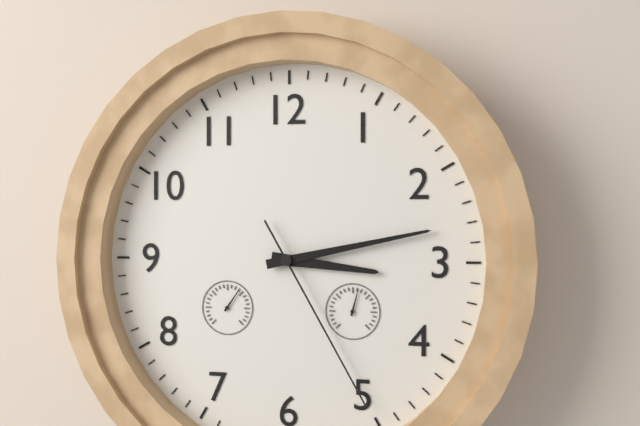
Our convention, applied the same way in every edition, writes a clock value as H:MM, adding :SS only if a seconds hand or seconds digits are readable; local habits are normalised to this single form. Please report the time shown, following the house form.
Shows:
3:13:25
